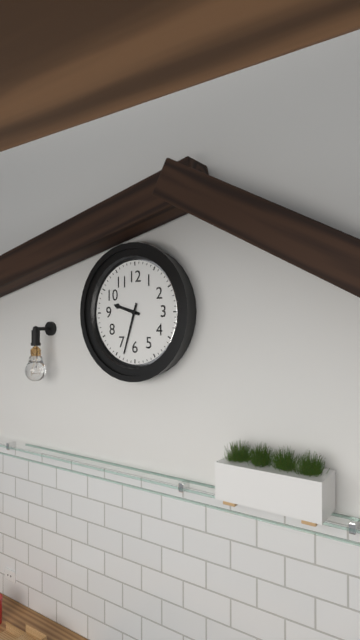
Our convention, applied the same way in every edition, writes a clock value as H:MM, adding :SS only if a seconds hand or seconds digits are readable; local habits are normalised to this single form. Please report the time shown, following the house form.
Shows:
9:33
